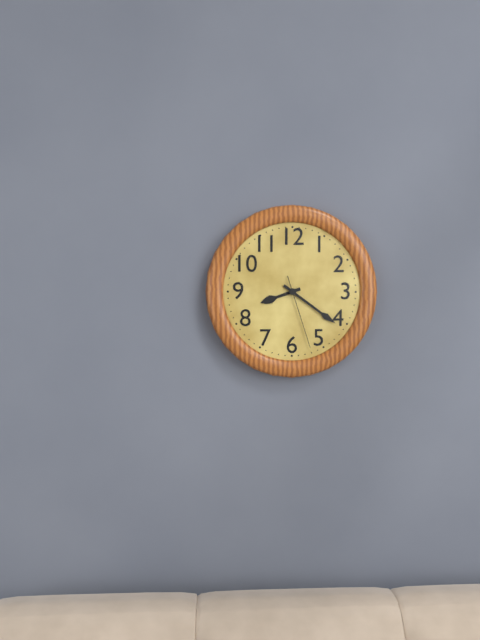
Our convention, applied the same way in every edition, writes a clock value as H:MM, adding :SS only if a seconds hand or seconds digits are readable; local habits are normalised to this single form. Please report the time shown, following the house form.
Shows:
8:21:27
